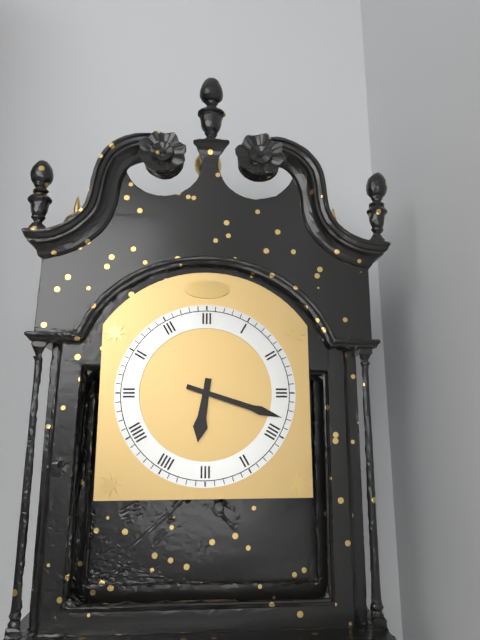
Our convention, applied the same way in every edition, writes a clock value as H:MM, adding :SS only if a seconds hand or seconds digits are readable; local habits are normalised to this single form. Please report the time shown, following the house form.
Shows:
6:18
